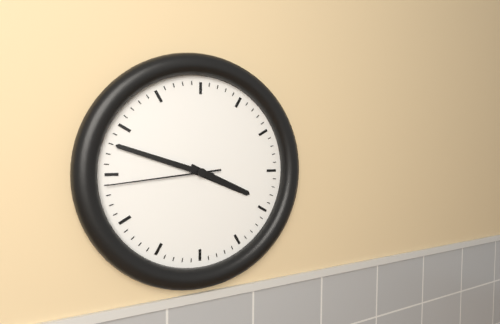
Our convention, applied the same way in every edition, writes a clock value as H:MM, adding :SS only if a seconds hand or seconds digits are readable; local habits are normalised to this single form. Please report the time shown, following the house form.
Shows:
3:48:44
